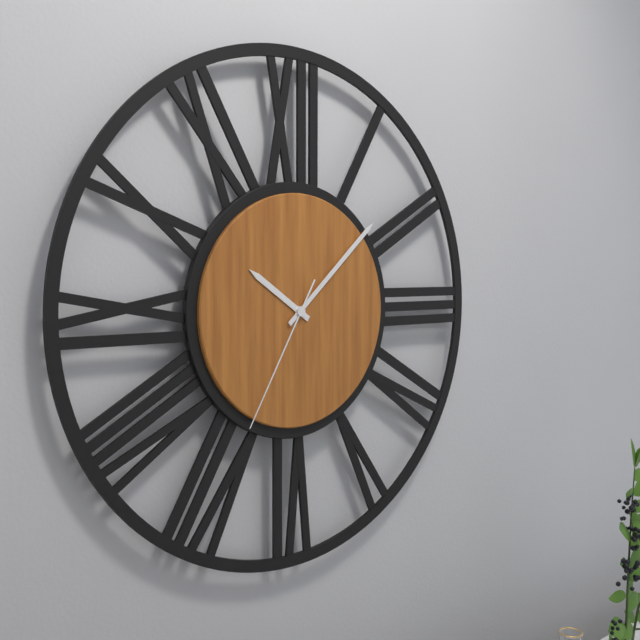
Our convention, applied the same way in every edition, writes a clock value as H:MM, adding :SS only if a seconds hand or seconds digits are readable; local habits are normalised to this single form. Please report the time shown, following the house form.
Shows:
10:08:35
